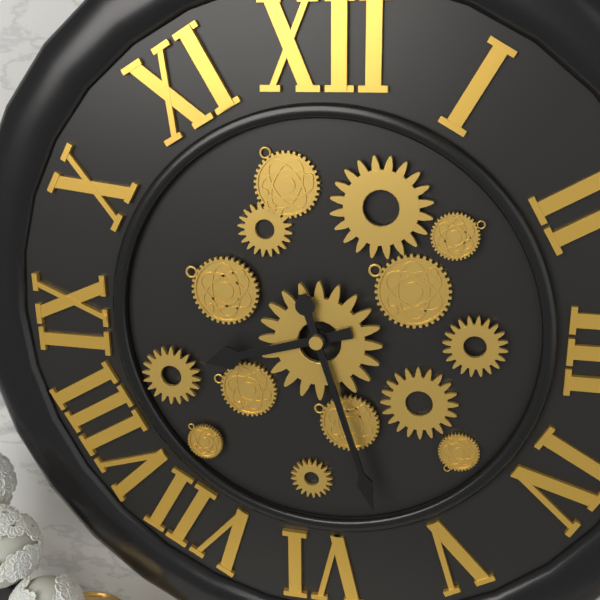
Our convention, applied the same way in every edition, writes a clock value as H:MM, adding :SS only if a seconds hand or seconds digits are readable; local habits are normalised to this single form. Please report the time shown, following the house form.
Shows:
8:27
